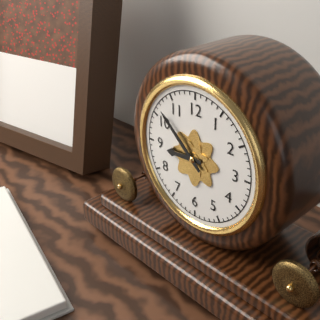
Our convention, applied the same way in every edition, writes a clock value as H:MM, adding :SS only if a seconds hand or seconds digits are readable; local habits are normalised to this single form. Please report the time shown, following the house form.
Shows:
8:52
